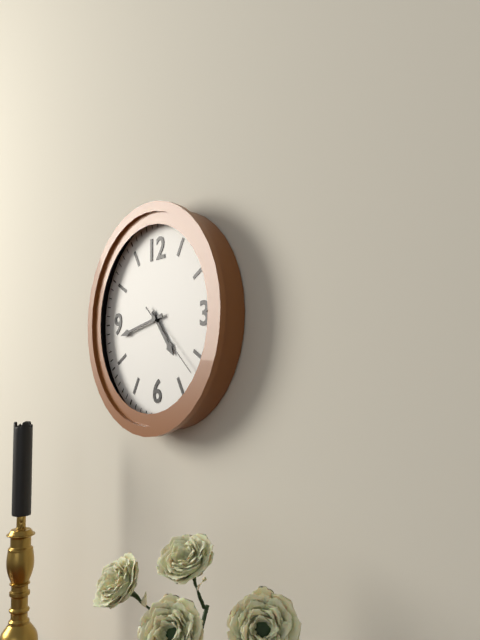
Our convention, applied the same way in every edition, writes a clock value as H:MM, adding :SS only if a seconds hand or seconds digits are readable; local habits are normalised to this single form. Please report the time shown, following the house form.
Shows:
4:43:22
